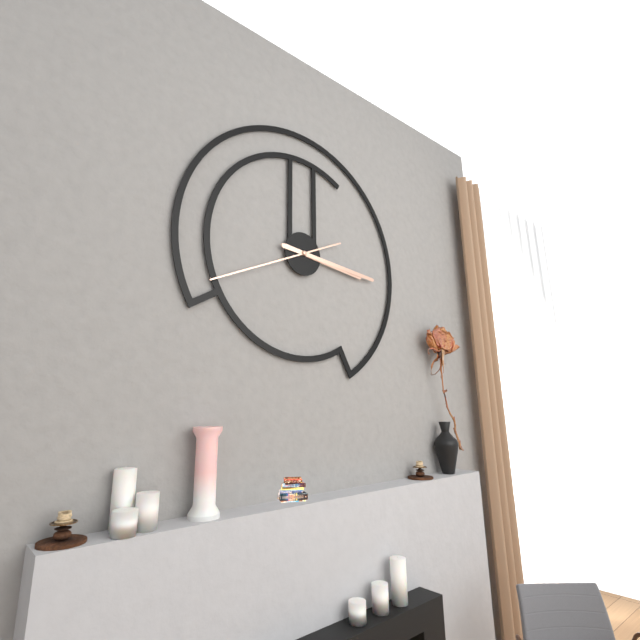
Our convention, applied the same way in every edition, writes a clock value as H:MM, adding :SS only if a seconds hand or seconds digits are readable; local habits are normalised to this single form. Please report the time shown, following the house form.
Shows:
3:16:41
